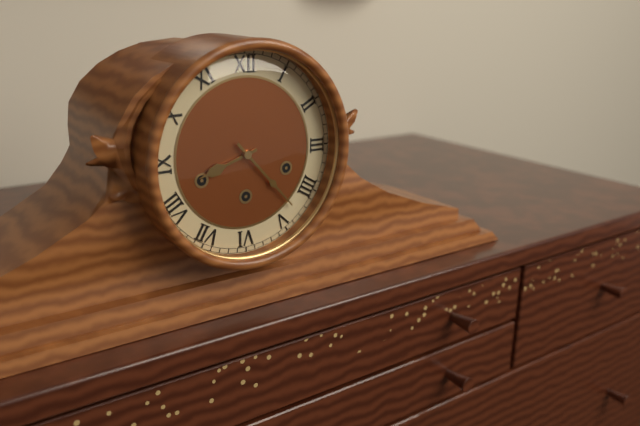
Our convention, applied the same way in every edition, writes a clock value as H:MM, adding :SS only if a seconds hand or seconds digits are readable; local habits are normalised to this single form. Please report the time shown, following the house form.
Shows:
8:23
